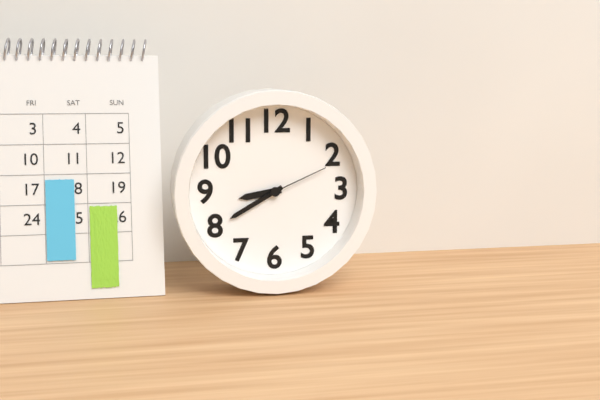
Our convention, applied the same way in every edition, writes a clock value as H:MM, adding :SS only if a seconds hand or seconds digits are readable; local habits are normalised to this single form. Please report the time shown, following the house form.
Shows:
8:40:11
